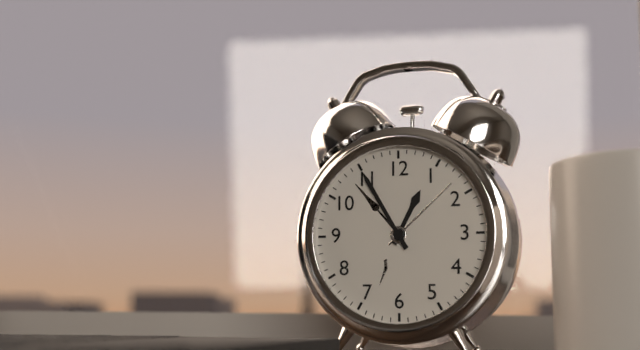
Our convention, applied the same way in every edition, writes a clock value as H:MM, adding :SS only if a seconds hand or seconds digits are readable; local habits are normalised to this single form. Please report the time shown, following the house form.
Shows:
12:55
